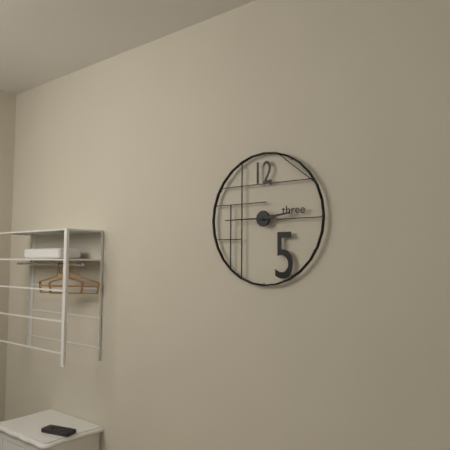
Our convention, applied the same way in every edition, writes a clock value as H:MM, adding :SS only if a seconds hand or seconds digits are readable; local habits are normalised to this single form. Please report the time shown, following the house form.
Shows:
2:45
